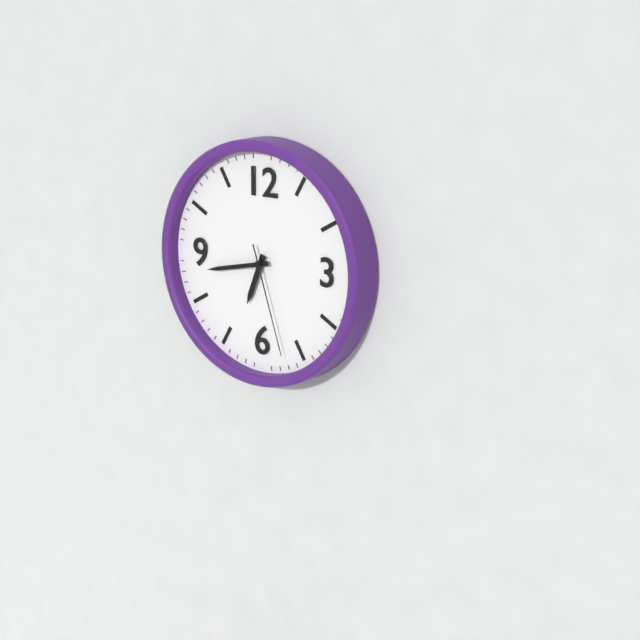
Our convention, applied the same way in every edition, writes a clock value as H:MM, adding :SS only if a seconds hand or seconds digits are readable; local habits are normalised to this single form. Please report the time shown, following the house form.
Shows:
6:43:27
